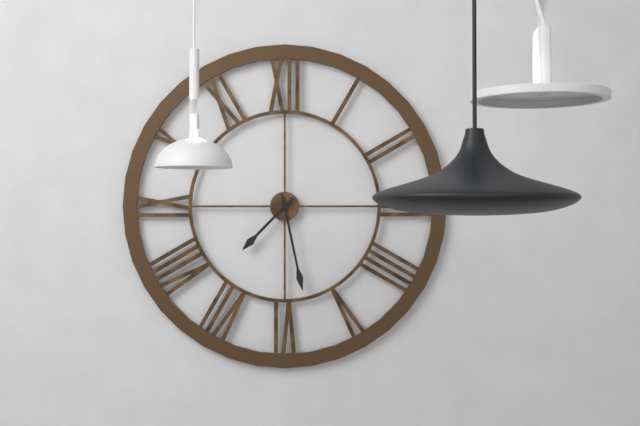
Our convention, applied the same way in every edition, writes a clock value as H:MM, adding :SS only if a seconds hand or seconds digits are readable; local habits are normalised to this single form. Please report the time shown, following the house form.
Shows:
7:28
